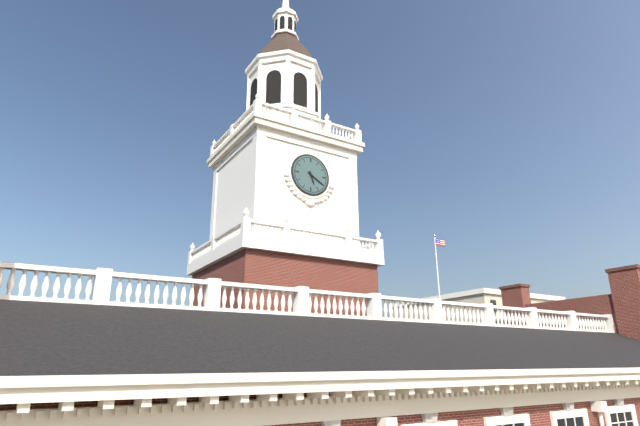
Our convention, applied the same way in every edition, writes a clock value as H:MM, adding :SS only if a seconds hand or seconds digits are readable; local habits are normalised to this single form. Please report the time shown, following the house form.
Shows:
5:20
